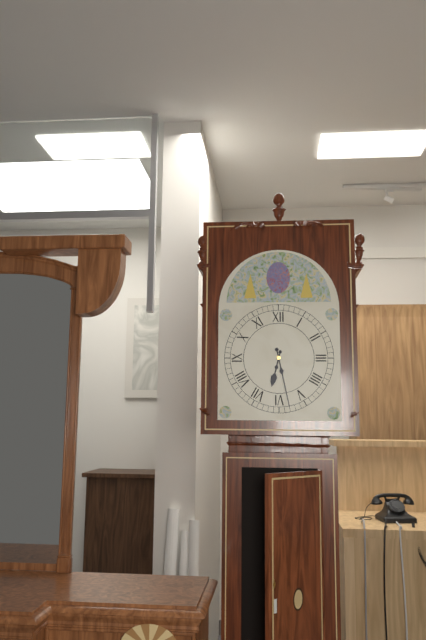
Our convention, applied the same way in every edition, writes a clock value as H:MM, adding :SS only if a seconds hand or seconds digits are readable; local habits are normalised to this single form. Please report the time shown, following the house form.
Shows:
6:28
